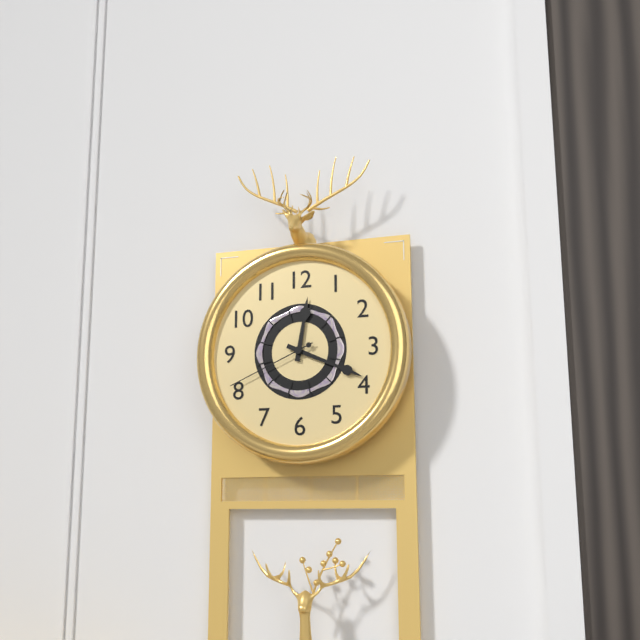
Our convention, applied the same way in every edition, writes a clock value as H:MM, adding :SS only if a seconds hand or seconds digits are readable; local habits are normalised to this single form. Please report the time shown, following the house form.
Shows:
12:19:41
